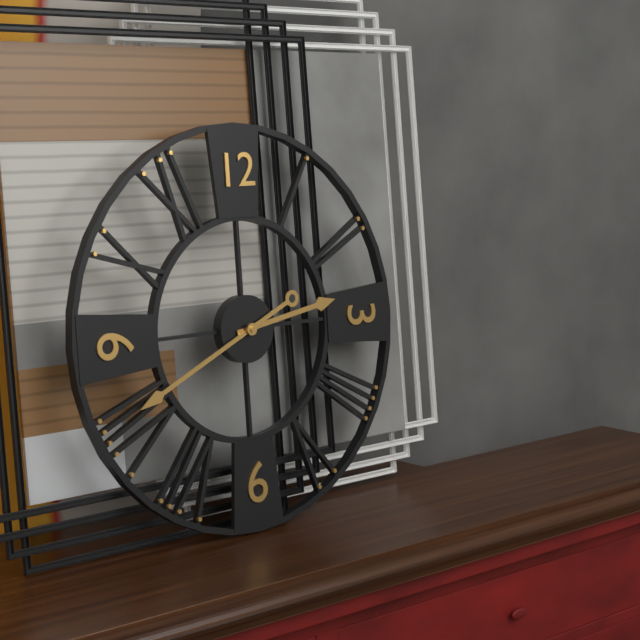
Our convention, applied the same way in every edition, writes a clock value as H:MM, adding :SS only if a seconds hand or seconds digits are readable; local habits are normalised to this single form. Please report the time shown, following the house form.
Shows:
2:41
